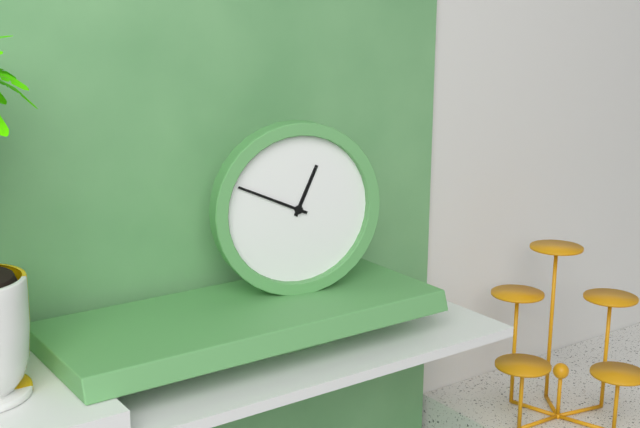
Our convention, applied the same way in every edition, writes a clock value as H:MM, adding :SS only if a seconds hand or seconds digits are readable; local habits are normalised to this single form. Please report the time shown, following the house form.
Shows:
12:49
